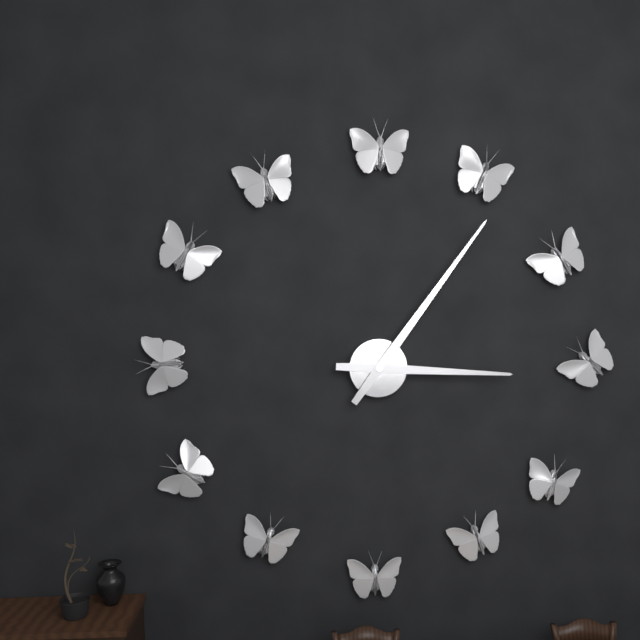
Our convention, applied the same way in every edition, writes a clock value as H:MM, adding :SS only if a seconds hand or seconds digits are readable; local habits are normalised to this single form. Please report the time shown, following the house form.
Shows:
3:06
